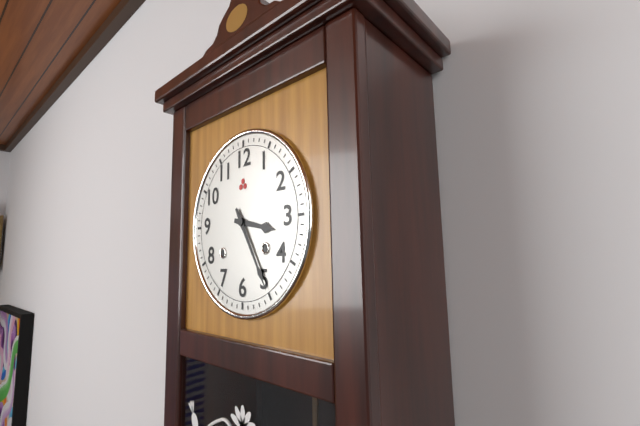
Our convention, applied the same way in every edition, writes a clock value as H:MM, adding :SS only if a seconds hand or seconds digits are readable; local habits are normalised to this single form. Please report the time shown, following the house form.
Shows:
3:25
